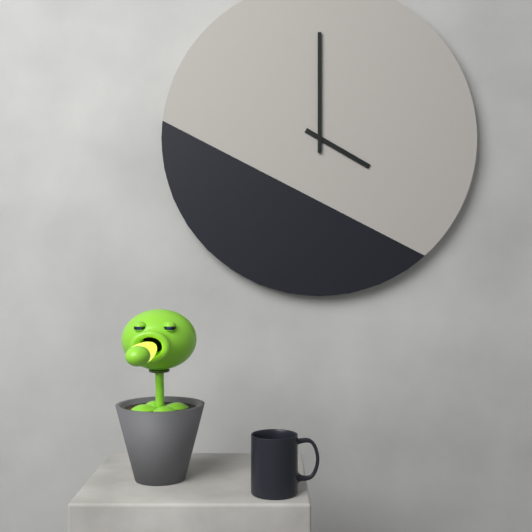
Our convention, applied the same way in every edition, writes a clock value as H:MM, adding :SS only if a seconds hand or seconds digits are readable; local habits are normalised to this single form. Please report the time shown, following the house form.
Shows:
4:00
